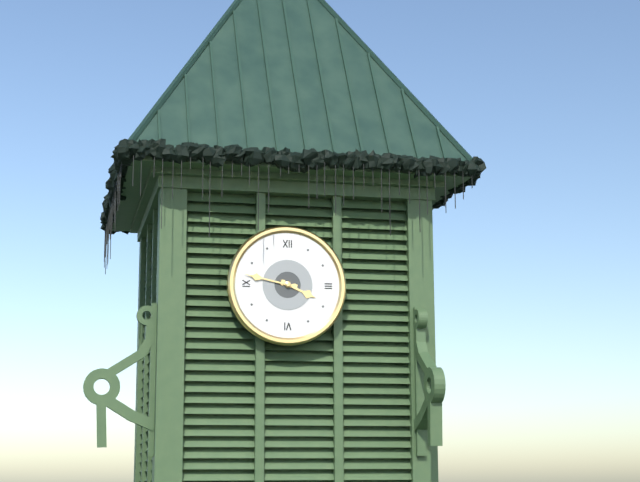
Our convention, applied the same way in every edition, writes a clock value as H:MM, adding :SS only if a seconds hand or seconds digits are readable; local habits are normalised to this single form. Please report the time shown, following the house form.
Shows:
3:47
